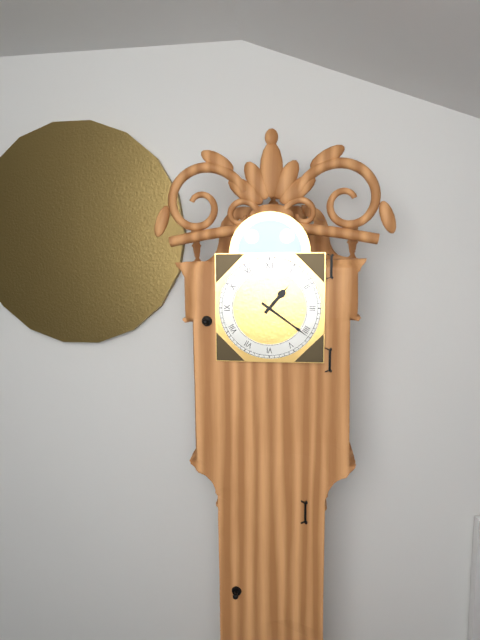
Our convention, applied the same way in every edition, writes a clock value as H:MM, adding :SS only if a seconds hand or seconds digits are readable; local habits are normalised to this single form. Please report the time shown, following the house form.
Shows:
1:21
